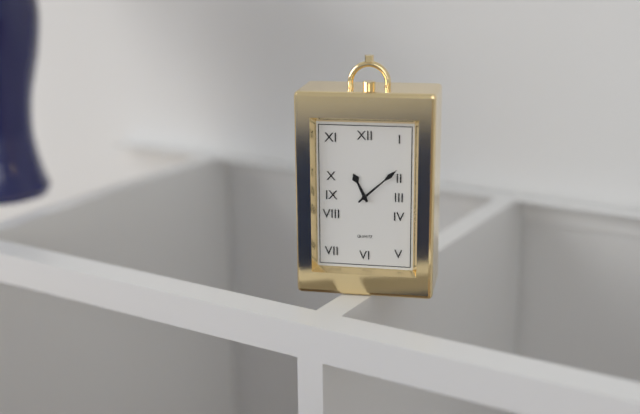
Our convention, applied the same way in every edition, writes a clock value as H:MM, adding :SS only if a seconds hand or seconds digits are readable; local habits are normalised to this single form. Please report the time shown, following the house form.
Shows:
11:08
